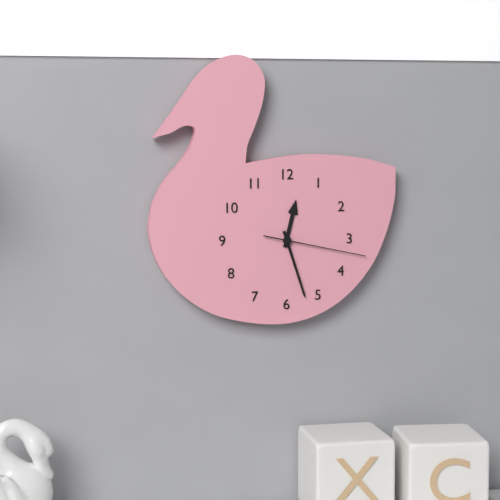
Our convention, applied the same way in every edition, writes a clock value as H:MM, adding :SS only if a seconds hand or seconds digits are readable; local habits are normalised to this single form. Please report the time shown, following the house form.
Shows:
12:27:17
